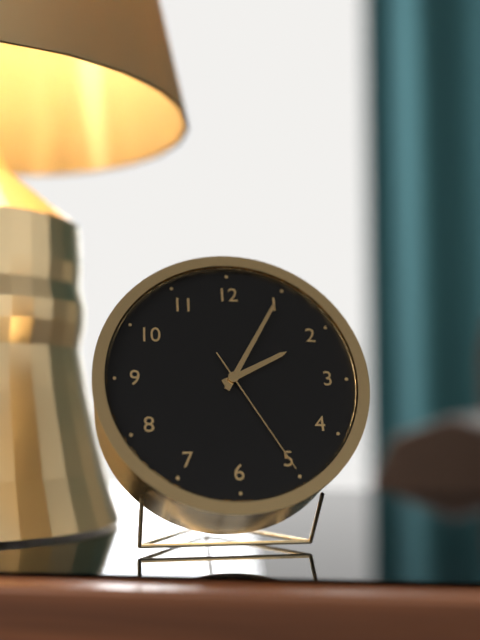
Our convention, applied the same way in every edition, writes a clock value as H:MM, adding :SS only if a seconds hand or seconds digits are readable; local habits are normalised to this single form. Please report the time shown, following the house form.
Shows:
2:05:25
